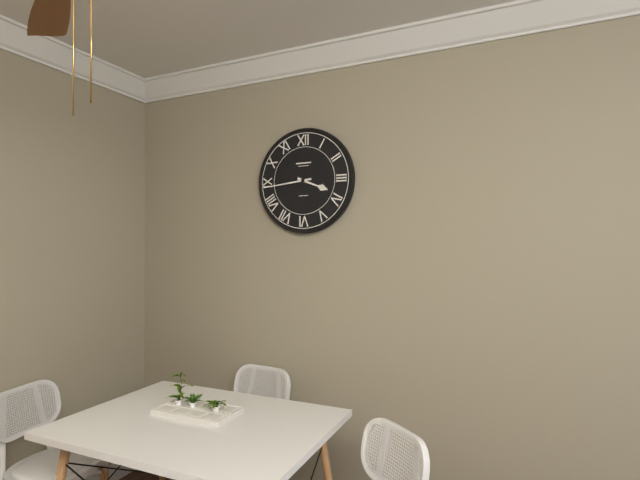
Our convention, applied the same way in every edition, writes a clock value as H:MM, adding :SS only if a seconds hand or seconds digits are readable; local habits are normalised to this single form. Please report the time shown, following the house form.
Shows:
3:44
